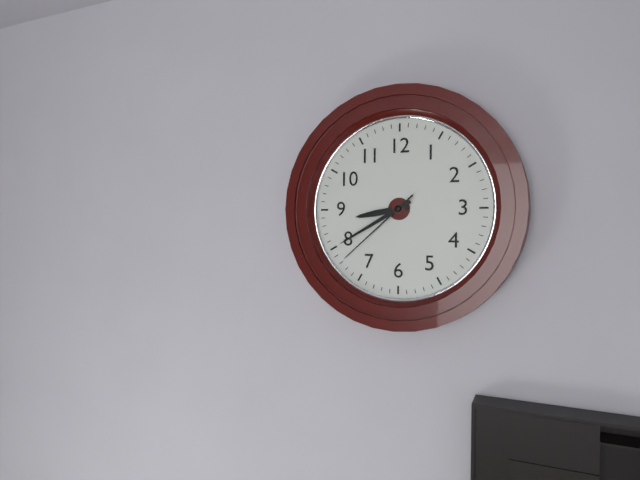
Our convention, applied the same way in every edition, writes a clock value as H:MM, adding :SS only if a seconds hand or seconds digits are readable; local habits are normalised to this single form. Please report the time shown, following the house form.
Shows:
8:40:38
